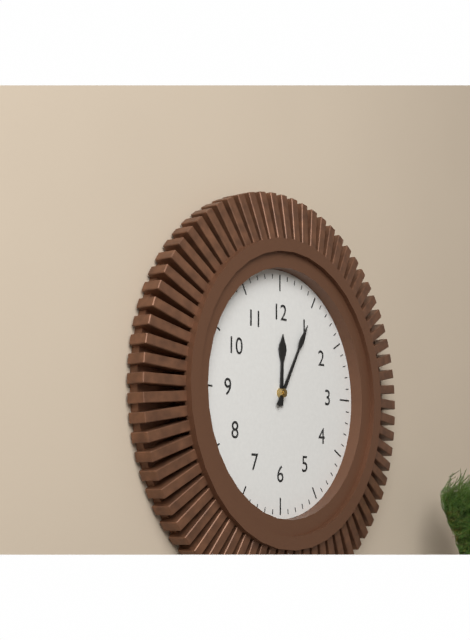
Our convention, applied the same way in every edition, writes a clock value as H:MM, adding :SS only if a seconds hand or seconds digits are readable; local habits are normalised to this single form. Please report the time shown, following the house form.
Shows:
12:05
